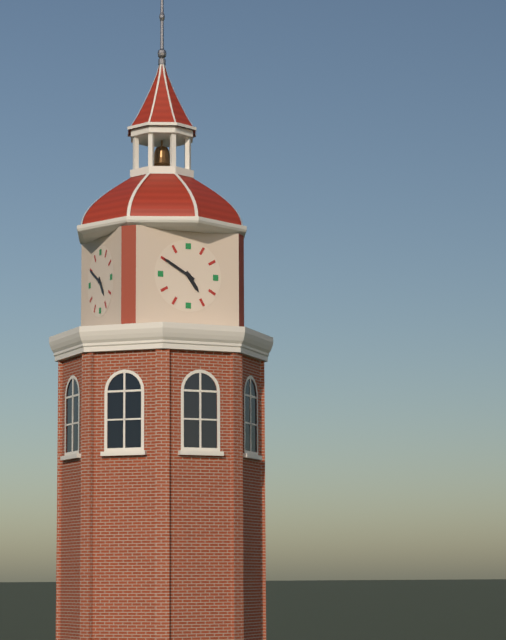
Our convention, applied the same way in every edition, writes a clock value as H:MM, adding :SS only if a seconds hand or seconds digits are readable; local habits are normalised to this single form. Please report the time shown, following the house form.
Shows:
4:50
